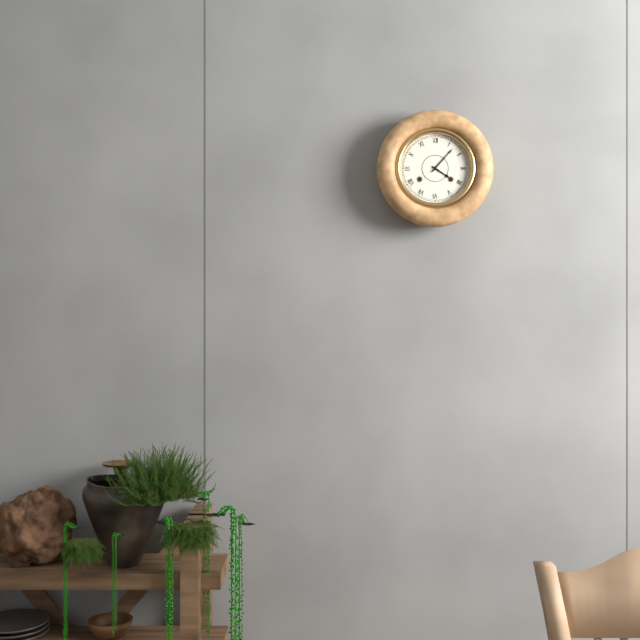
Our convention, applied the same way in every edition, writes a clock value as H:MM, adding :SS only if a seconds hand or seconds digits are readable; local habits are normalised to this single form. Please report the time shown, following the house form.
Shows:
4:07
